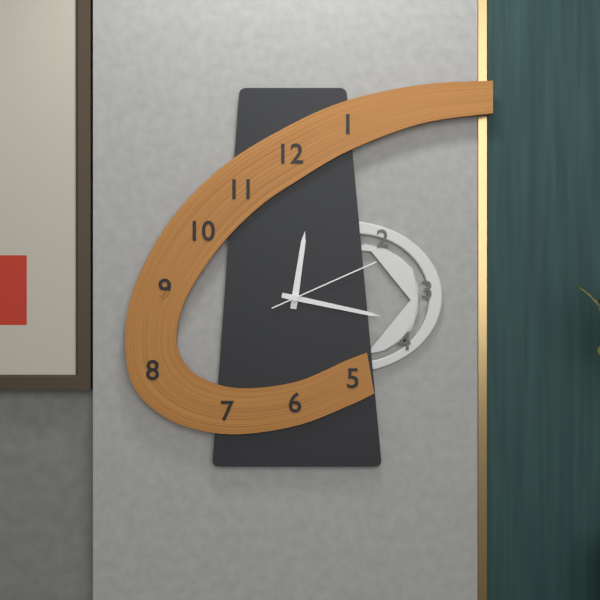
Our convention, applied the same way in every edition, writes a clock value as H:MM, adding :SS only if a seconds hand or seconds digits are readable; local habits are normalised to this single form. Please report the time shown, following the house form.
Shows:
12:17:11
